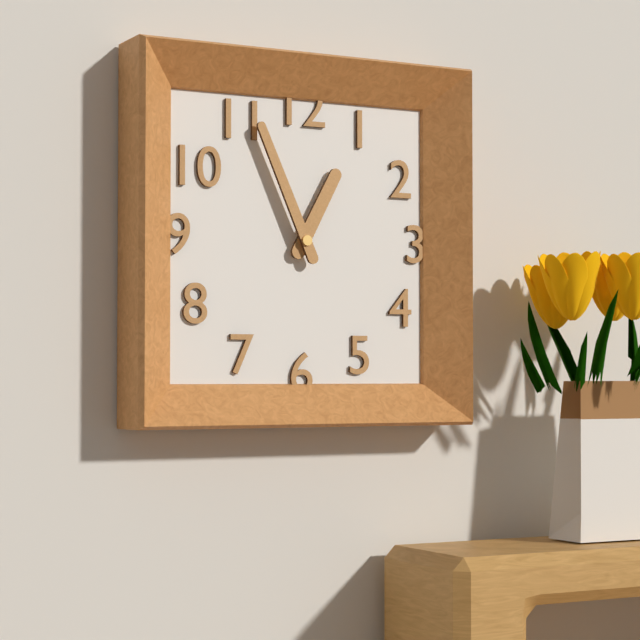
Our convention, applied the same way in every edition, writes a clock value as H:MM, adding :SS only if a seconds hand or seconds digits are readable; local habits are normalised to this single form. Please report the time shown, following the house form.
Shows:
12:56
